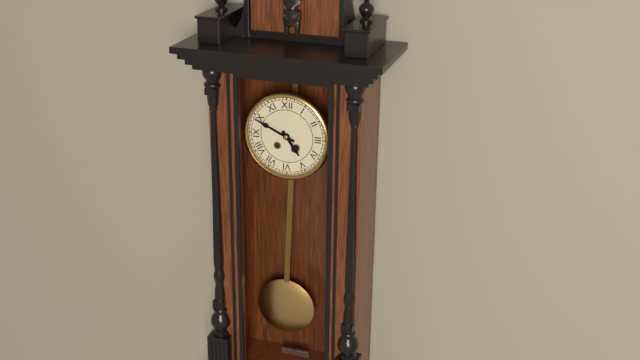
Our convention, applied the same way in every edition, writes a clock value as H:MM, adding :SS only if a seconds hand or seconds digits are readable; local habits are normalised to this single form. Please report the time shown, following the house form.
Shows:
4:49
